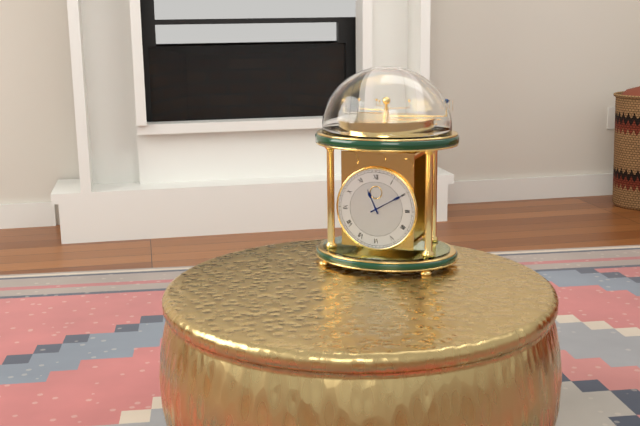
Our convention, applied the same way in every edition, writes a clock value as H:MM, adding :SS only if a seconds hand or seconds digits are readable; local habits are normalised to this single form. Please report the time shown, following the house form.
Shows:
11:10
